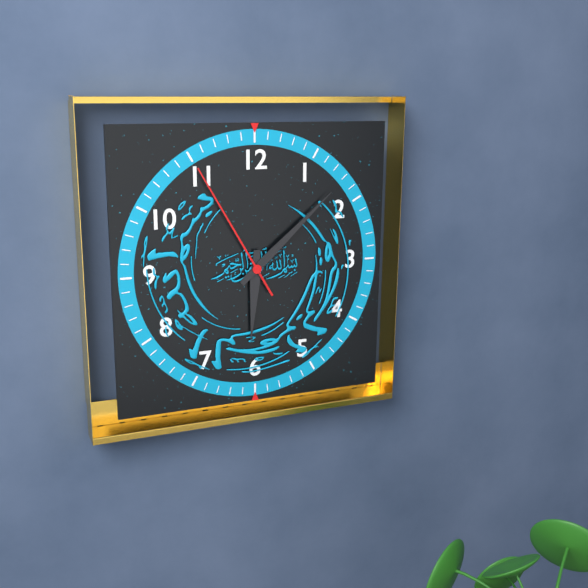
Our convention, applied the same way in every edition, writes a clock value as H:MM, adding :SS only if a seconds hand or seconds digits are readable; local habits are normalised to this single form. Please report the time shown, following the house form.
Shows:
6:08:55
